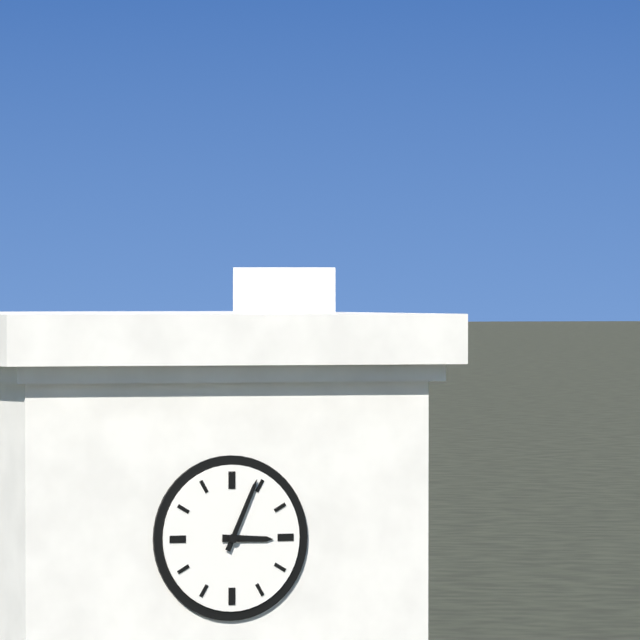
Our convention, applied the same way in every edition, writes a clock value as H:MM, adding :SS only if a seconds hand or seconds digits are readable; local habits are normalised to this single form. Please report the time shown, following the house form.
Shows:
3:04
